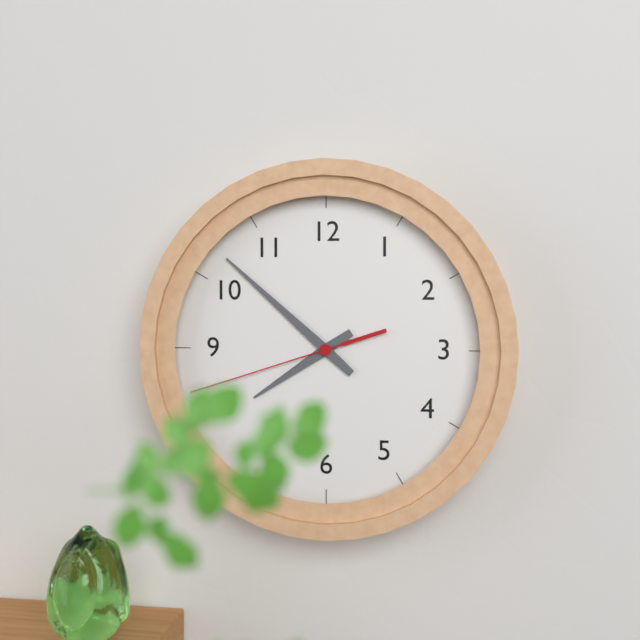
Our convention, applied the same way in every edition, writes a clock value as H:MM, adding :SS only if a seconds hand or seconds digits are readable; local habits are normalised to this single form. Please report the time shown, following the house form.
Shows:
7:52:42
